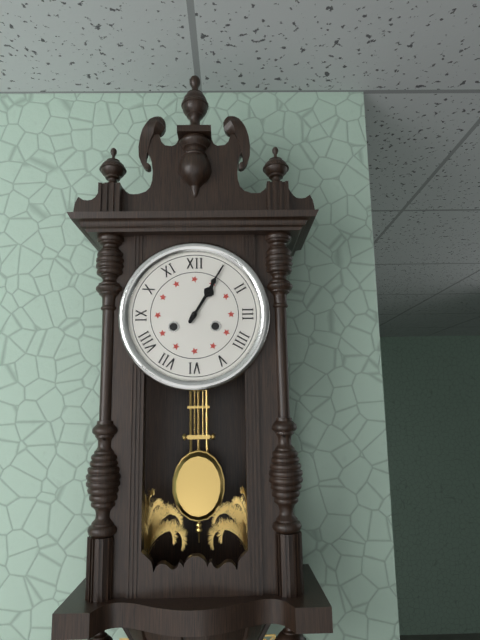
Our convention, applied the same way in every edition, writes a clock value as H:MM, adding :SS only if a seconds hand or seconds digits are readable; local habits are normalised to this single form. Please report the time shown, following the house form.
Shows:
1:05
